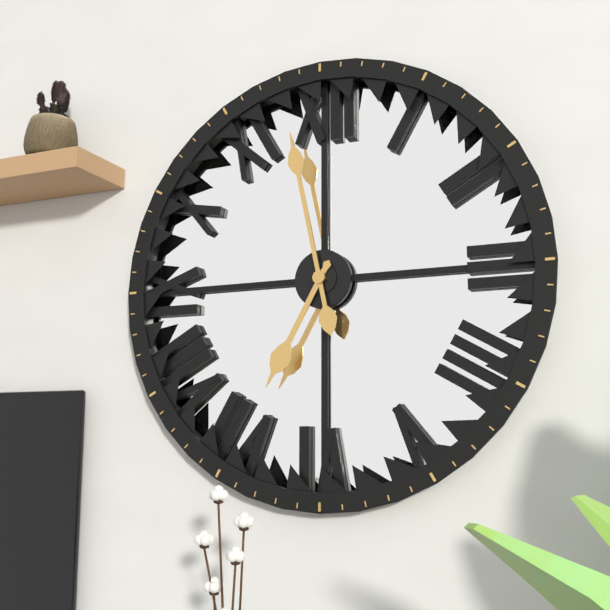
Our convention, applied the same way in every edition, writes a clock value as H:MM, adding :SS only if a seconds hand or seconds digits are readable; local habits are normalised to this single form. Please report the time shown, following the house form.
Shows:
6:58
